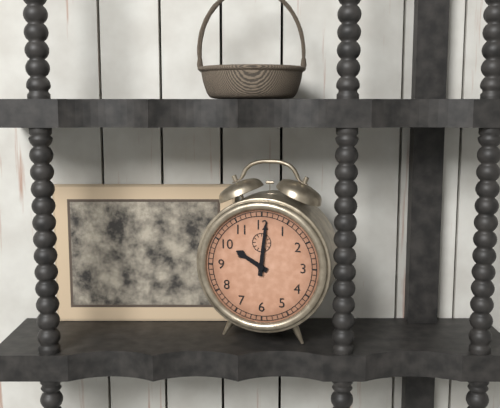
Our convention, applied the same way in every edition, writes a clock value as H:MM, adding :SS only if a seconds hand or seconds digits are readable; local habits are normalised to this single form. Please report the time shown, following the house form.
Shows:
10:01
